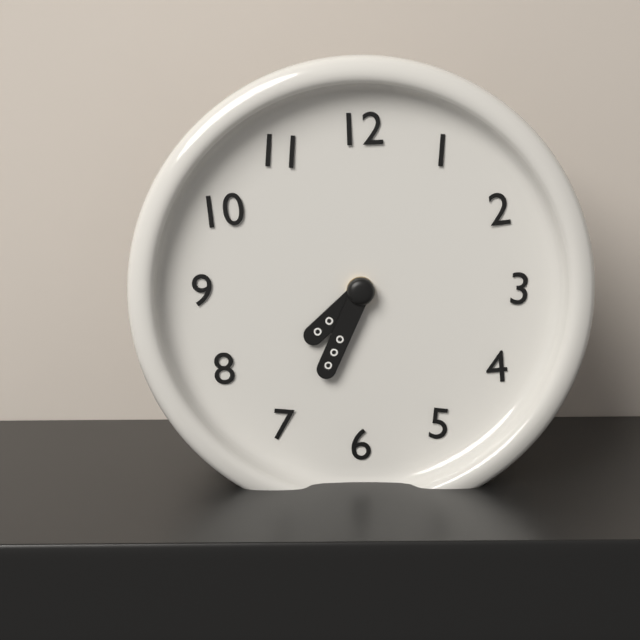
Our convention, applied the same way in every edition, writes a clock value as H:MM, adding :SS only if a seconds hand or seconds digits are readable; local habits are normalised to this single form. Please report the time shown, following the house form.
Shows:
7:34
